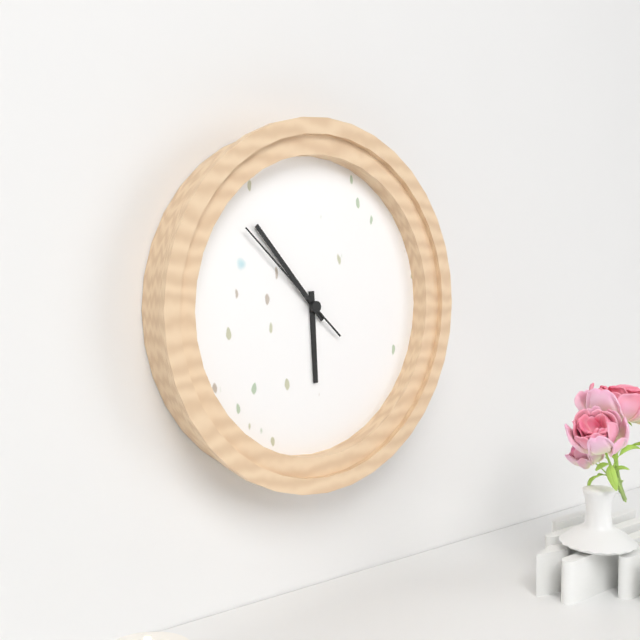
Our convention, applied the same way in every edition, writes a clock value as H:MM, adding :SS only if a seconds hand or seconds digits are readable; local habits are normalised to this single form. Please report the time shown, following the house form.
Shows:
5:53:52
